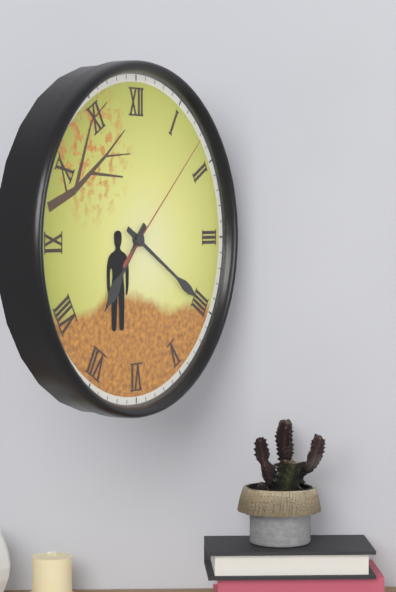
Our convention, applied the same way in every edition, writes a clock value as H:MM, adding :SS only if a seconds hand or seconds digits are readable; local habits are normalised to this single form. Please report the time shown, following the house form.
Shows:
7:20:08
